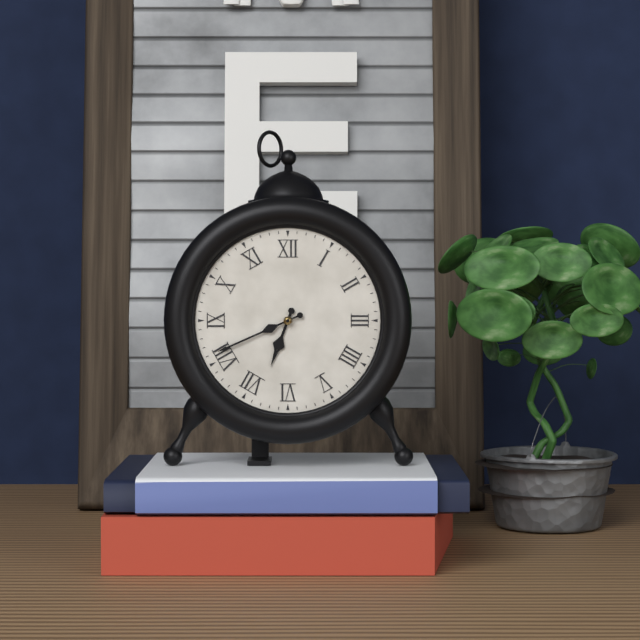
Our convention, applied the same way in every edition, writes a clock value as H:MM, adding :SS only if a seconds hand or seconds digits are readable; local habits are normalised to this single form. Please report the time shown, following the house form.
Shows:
6:41
